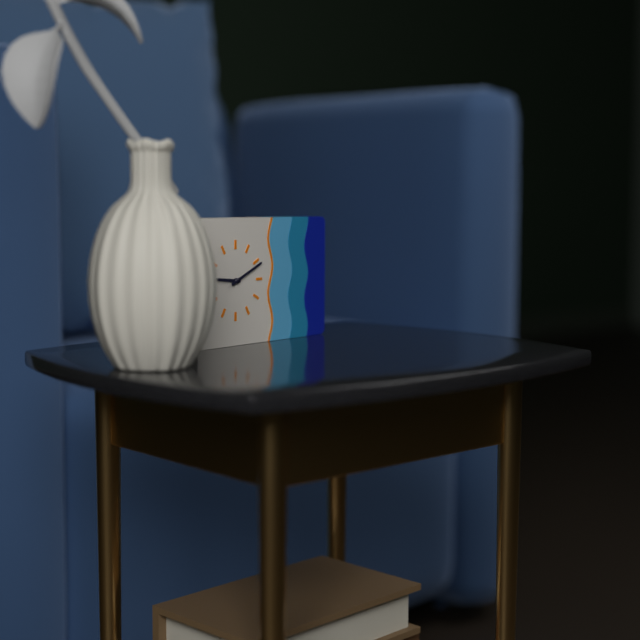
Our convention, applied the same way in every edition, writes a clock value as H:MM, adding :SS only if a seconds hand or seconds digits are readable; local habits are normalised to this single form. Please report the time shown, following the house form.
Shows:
9:11
